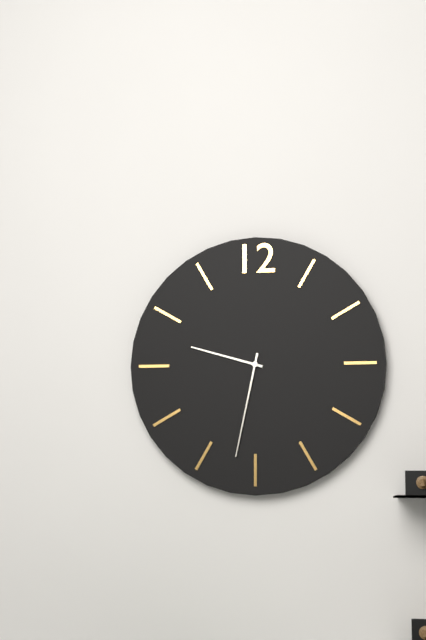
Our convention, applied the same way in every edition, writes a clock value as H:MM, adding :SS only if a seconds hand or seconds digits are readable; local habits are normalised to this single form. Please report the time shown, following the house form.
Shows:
9:32
